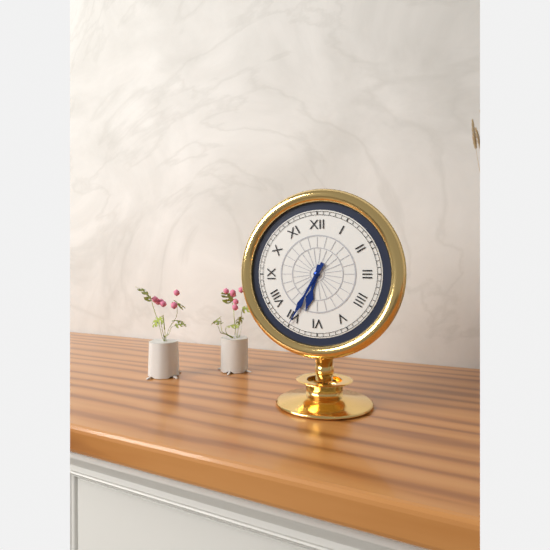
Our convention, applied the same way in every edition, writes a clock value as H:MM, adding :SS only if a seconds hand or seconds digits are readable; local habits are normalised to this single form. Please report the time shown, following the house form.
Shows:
6:35
